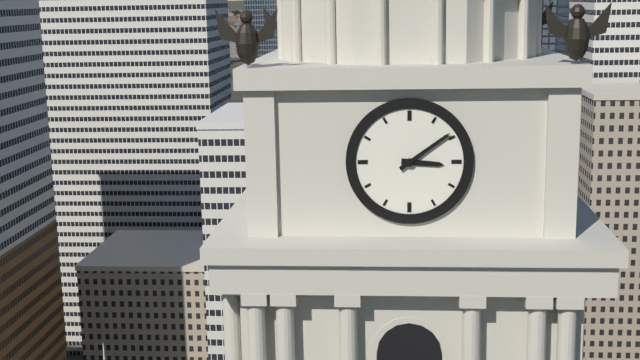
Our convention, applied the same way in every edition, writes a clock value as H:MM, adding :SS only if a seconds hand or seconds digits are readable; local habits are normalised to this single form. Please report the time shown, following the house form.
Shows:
3:09
